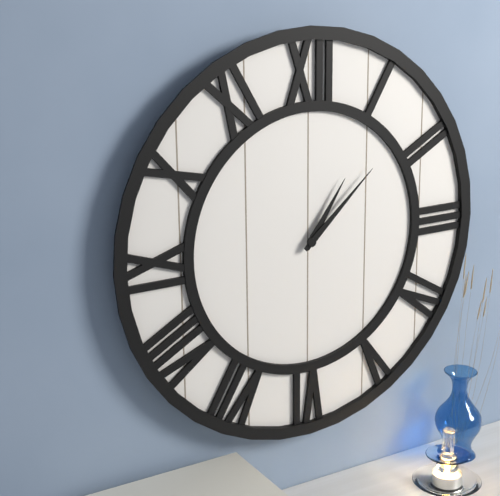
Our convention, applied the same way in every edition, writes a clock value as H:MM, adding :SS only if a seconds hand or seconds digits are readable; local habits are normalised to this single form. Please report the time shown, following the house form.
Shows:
1:08
